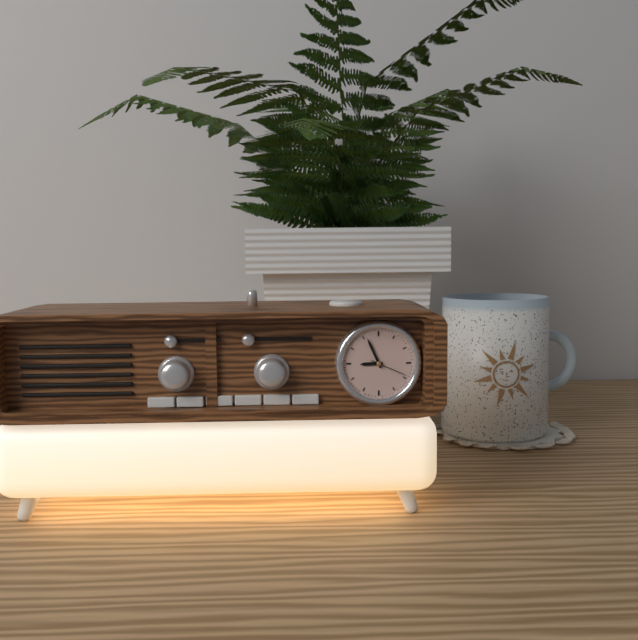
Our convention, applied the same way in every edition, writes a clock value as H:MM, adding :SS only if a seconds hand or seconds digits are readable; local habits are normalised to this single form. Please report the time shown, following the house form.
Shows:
8:56
